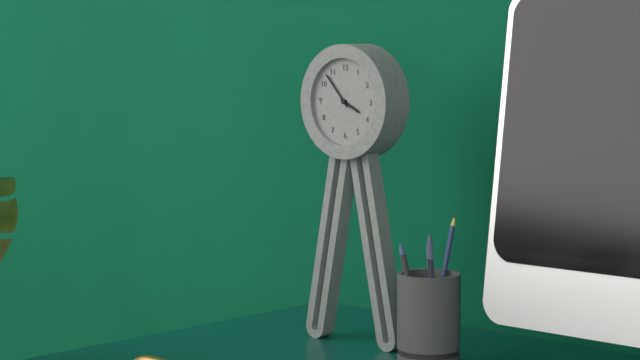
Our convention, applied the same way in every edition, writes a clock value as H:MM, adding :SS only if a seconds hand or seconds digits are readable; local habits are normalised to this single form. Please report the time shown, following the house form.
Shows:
3:53
